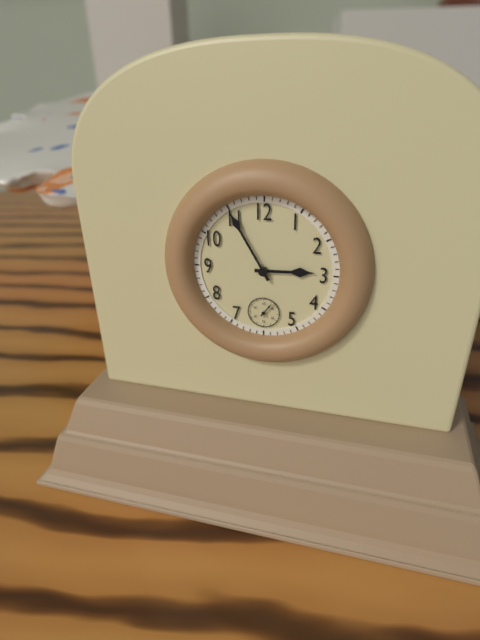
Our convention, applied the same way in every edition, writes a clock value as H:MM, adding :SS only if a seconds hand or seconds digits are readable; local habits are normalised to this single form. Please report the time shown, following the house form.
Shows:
2:55
